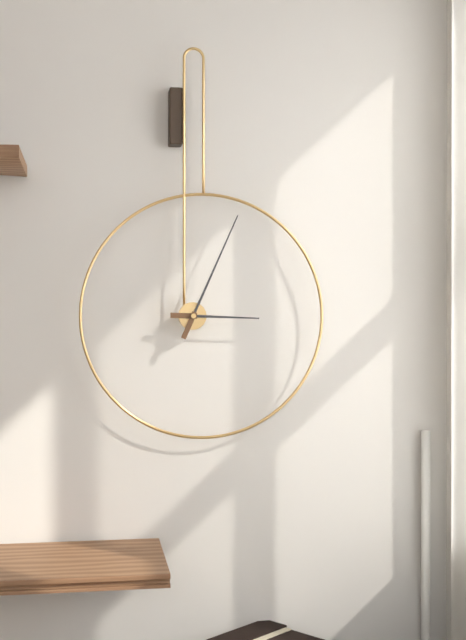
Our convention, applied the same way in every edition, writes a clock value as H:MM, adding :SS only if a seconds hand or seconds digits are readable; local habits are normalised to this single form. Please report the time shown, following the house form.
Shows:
3:04
